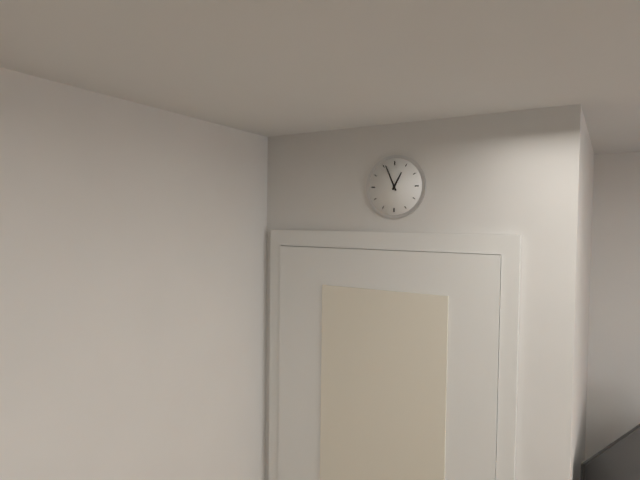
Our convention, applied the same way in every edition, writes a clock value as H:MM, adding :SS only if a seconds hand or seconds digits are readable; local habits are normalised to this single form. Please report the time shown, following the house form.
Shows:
12:56
